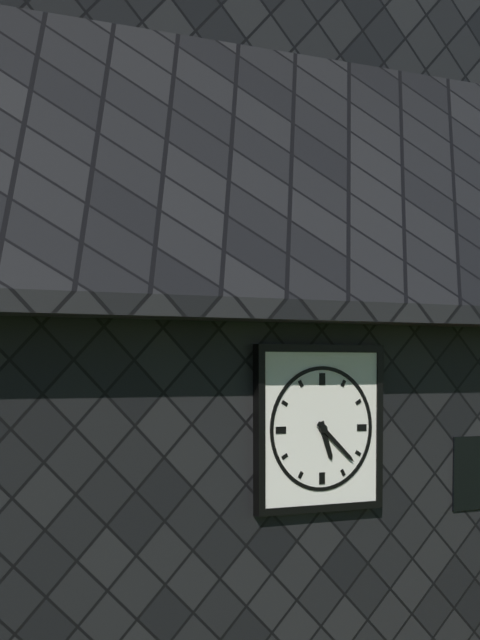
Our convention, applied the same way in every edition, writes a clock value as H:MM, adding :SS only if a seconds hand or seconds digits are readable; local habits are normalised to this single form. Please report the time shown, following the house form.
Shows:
5:22
